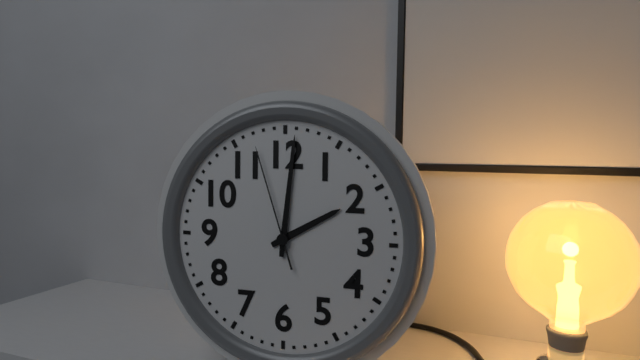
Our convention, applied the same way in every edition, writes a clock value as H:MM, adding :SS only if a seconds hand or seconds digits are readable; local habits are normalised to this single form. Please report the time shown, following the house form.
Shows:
2:01:57
